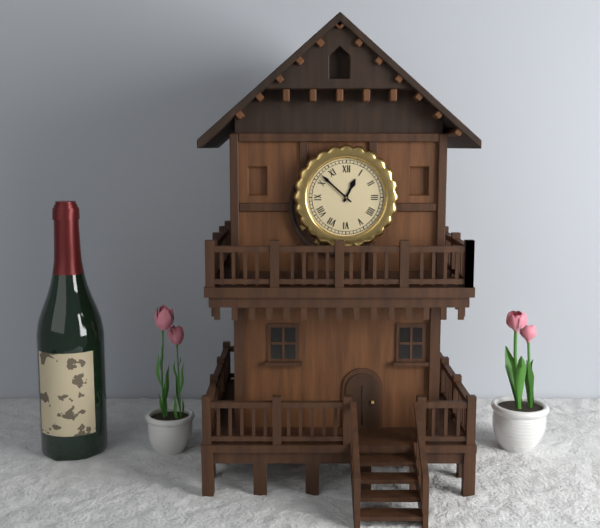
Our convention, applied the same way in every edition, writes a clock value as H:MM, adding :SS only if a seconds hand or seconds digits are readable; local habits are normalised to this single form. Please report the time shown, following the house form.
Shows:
12:52
